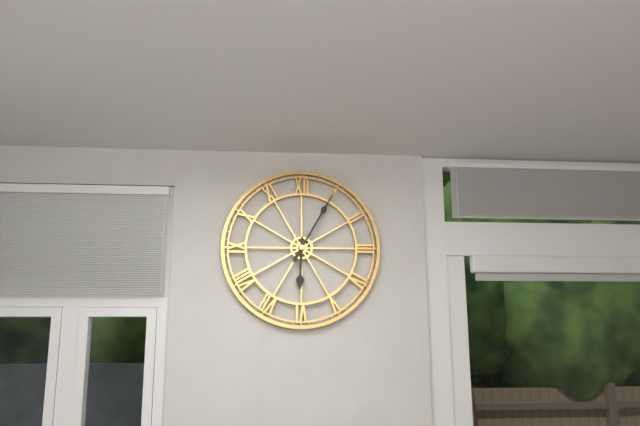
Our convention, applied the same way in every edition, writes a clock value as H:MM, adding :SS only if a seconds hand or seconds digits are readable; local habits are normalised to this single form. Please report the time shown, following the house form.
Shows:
6:05
